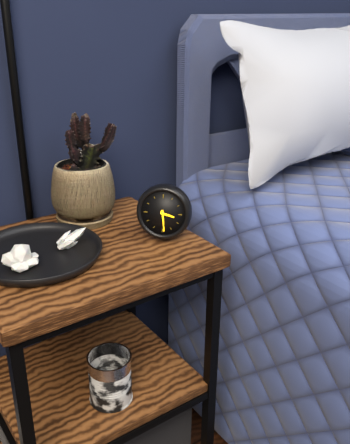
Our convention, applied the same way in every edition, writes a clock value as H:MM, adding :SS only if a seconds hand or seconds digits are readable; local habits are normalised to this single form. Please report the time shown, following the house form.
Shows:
3:29
